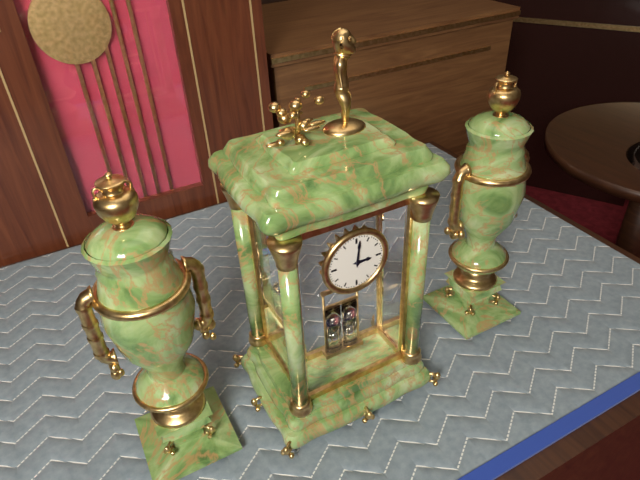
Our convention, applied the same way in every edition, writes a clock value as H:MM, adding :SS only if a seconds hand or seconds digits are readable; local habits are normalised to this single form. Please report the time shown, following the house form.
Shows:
3:01
